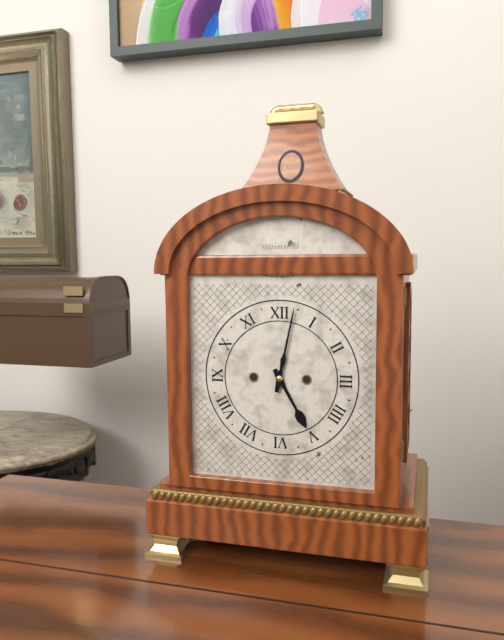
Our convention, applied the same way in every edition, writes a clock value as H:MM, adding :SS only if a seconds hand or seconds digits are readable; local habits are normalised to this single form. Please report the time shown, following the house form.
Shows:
5:02
